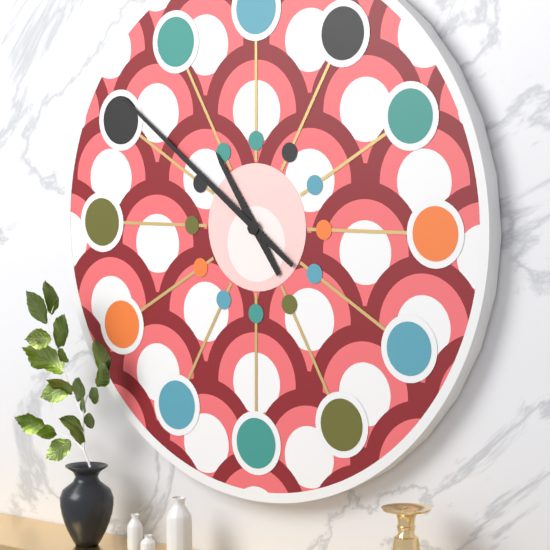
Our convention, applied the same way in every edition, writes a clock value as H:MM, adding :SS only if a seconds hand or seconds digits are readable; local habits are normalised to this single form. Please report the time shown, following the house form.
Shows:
10:51
